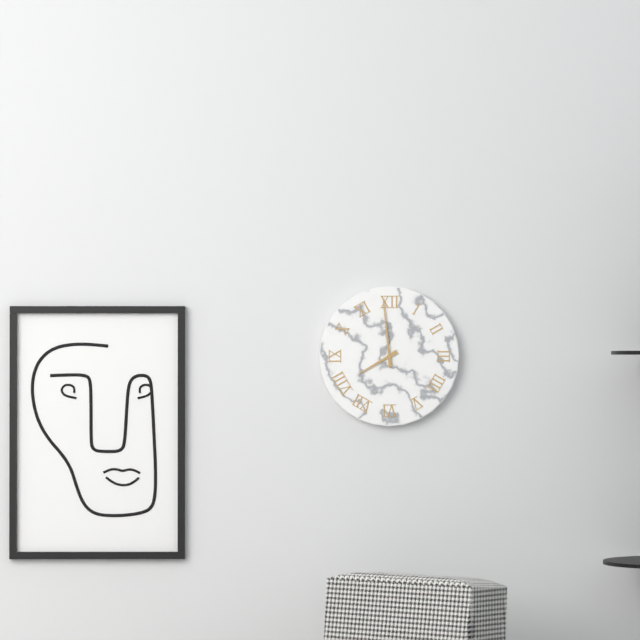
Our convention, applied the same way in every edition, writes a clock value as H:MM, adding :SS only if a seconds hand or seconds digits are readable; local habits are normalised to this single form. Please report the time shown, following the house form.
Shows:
7:59
